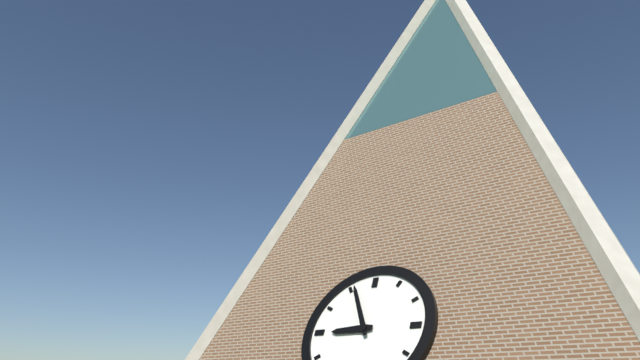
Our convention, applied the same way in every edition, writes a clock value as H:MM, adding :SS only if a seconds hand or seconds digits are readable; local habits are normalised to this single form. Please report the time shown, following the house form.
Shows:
8:56
